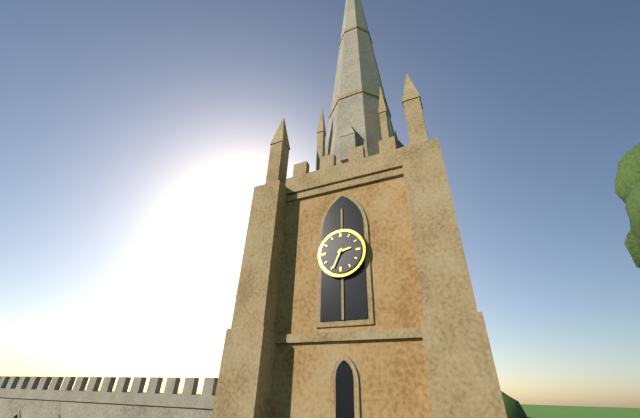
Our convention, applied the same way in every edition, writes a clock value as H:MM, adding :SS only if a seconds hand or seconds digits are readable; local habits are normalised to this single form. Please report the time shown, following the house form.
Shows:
2:34
